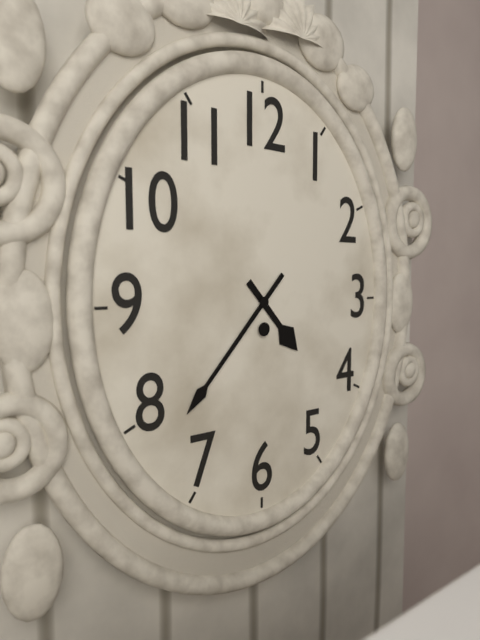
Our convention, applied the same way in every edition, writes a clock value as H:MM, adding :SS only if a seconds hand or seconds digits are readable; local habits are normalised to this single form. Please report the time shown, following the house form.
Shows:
4:37
